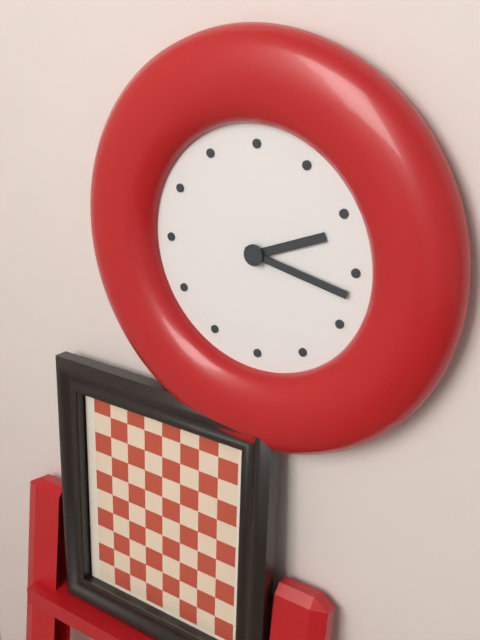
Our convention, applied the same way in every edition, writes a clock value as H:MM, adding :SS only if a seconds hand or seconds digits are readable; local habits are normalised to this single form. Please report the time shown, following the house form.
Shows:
2:17
